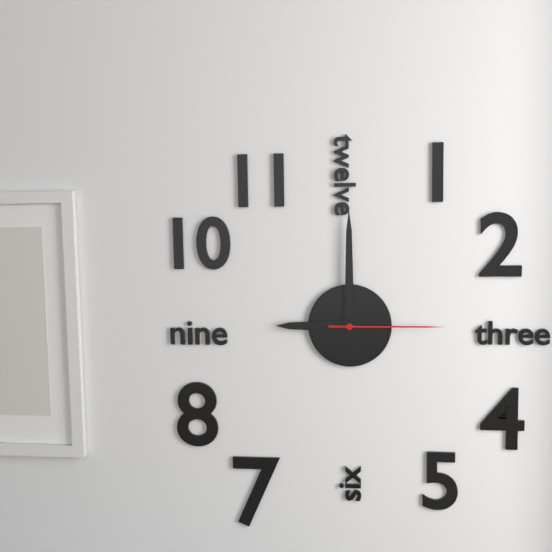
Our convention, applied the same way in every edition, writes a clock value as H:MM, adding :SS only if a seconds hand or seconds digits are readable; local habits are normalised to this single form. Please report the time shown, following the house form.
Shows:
9:00:15
